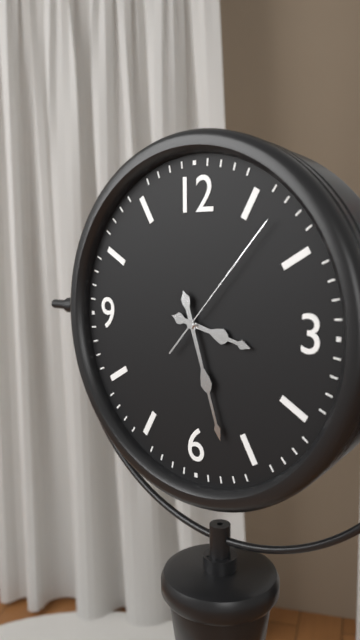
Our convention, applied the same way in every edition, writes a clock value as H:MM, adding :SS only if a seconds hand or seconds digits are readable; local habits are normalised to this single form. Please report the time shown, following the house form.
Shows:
3:27:07
